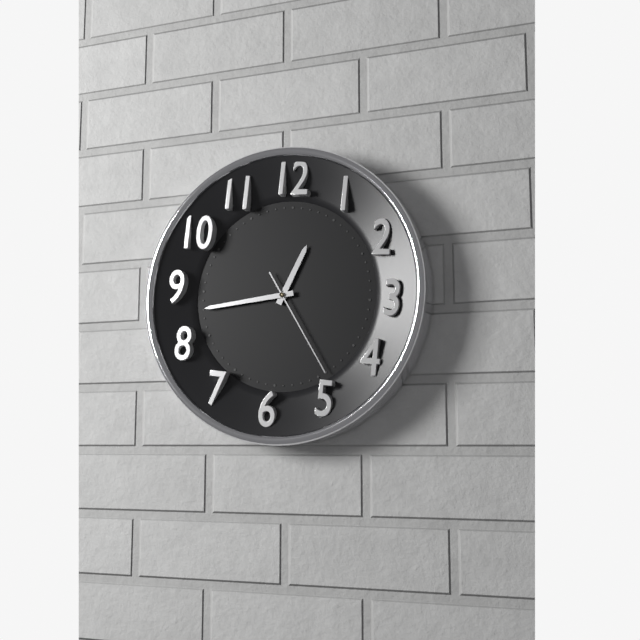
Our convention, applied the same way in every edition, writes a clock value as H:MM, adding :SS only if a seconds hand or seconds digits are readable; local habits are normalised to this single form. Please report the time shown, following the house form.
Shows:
12:43:24
